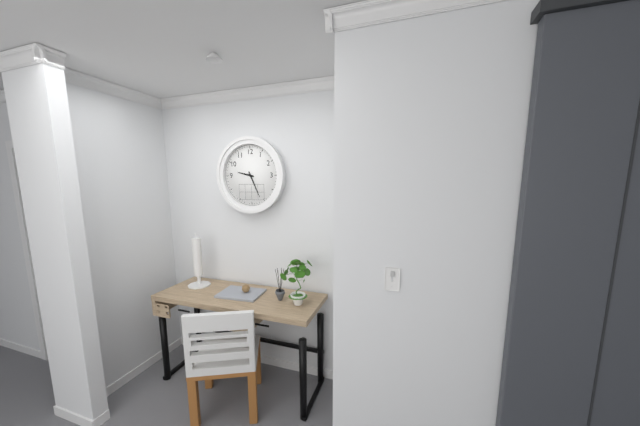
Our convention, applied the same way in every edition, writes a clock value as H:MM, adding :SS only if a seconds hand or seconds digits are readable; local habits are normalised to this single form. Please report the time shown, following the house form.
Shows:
9:26
